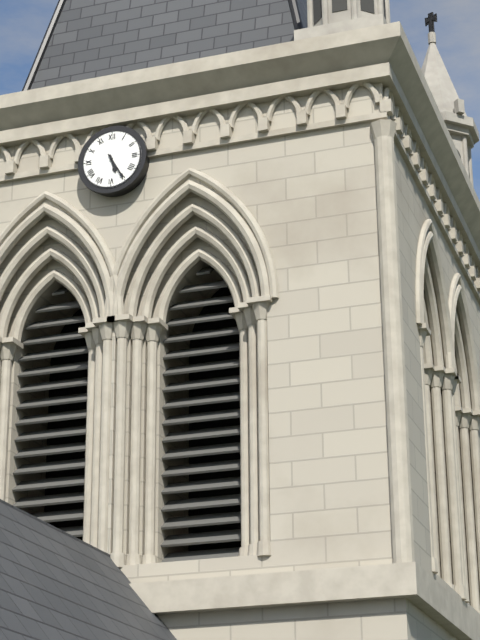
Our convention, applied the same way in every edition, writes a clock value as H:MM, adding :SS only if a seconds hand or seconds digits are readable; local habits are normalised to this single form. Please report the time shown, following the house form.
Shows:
5:25
